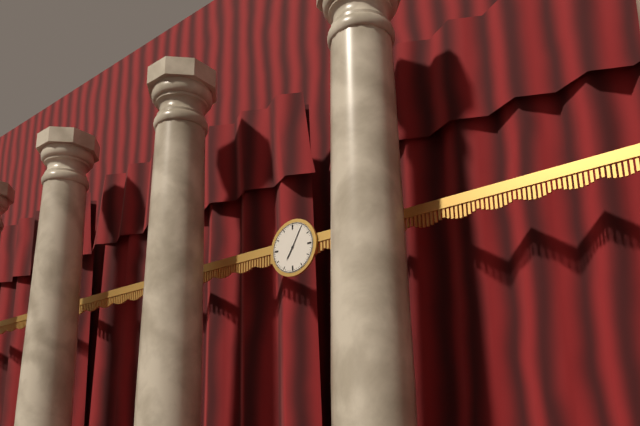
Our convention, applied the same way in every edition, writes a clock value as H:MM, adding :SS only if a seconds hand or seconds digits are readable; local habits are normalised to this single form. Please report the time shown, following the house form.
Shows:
7:05
